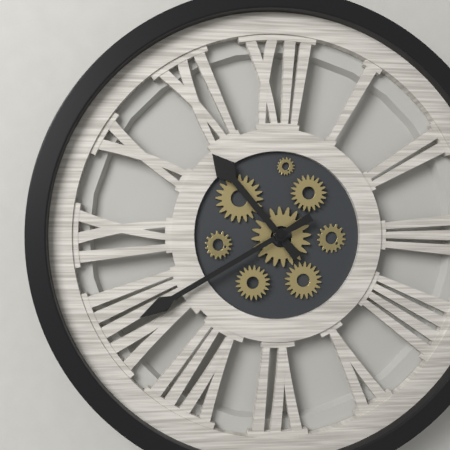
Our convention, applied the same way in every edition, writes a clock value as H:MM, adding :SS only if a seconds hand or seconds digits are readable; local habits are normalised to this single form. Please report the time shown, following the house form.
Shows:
10:40
